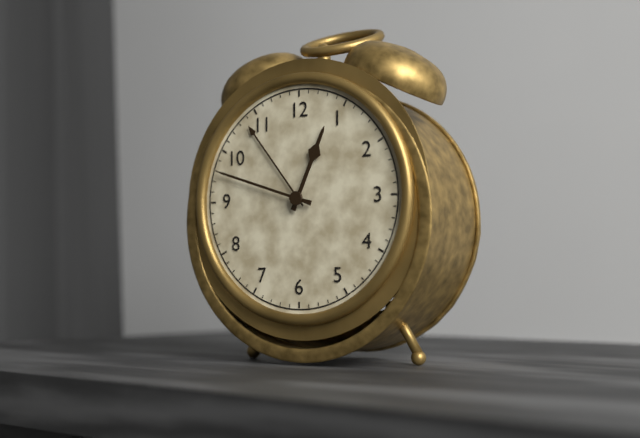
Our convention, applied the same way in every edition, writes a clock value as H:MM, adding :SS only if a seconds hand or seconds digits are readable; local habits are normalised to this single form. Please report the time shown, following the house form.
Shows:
12:48
